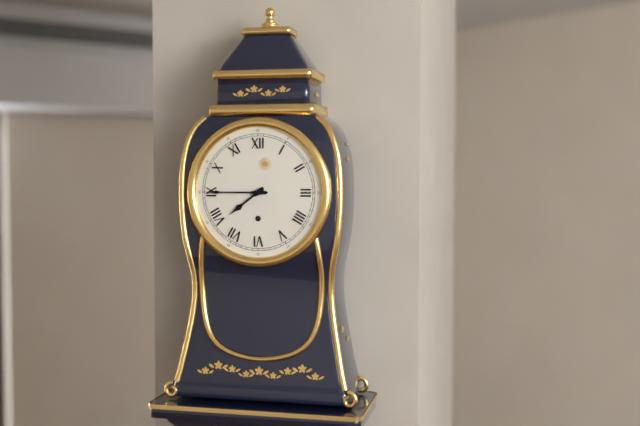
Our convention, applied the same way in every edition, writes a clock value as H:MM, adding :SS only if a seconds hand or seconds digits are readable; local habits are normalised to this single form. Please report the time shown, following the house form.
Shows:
7:45
